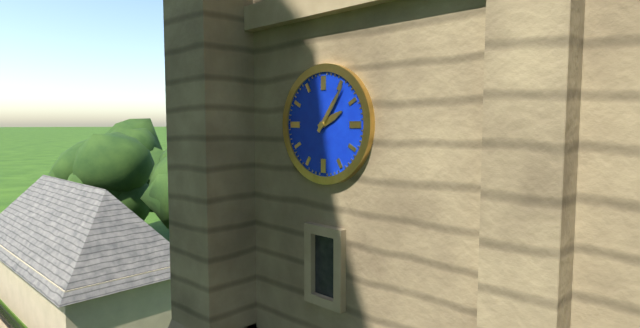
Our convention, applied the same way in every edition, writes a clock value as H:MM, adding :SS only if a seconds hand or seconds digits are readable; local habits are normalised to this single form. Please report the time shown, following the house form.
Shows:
2:06
